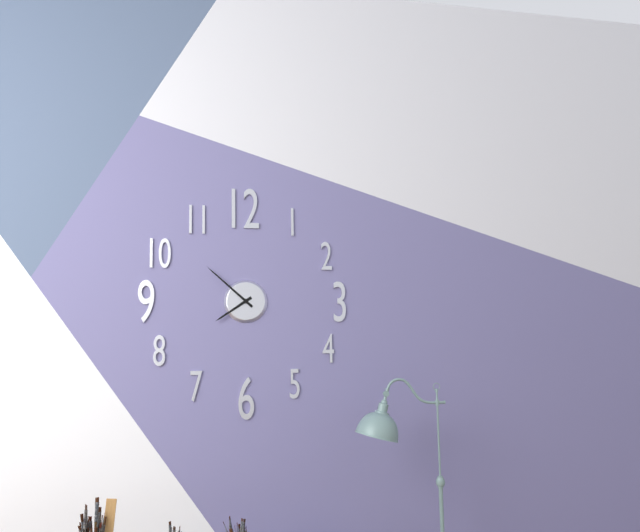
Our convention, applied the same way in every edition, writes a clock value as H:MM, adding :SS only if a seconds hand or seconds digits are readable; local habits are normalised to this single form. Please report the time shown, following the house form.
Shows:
7:52
